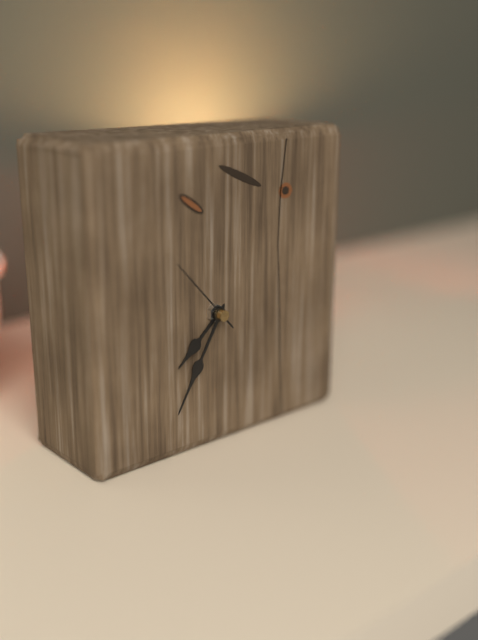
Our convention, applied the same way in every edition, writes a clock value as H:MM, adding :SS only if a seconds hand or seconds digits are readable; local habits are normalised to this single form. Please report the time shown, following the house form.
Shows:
7:35:53
